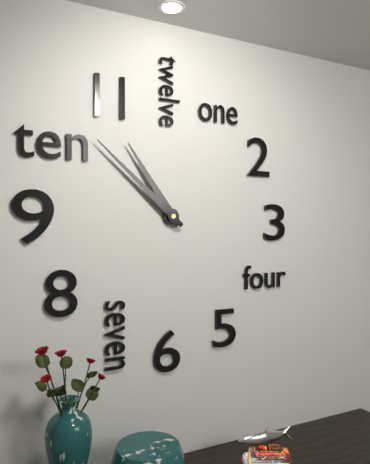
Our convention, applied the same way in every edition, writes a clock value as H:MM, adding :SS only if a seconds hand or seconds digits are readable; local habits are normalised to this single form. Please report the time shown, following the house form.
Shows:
10:52
